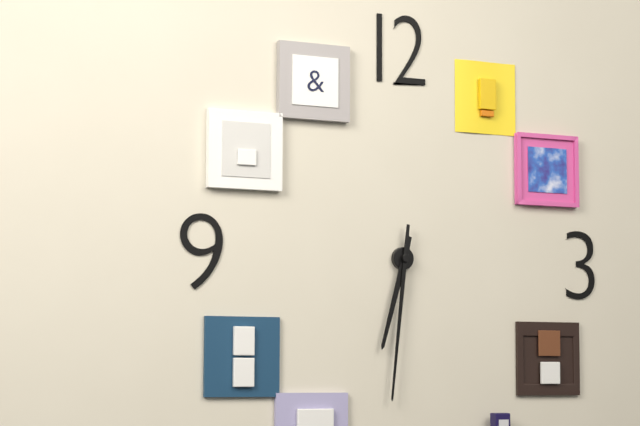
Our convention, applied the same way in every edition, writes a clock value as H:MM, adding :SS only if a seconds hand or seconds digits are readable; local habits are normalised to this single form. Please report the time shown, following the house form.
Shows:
6:31
